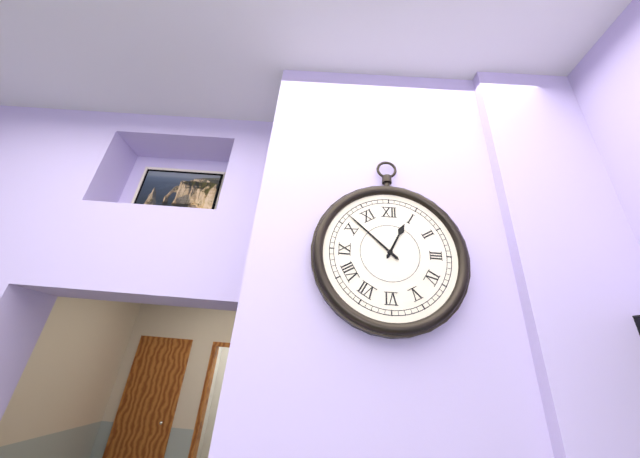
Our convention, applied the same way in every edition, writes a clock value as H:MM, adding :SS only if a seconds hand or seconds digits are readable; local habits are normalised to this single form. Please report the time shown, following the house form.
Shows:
12:52
